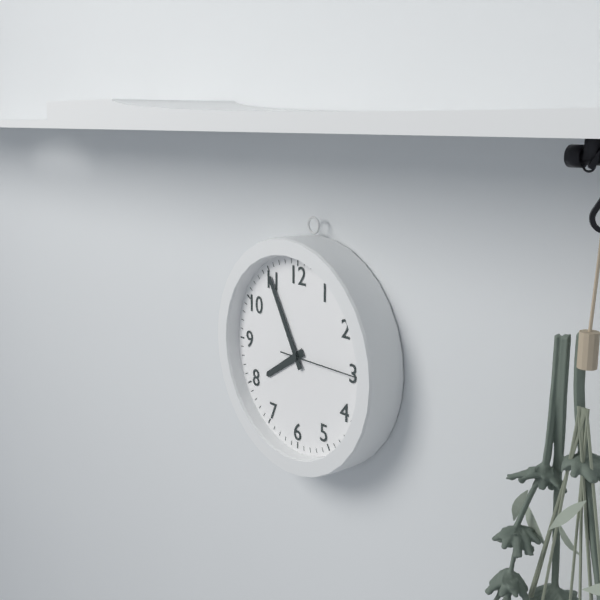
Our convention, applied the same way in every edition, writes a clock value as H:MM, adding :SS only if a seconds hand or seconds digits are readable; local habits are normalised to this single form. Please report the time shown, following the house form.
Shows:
7:55:15
